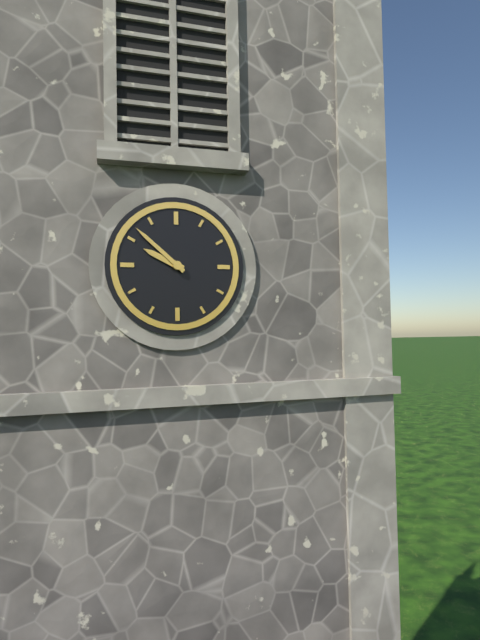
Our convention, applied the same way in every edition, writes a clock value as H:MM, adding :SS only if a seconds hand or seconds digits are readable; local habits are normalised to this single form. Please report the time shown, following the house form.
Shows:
9:52
